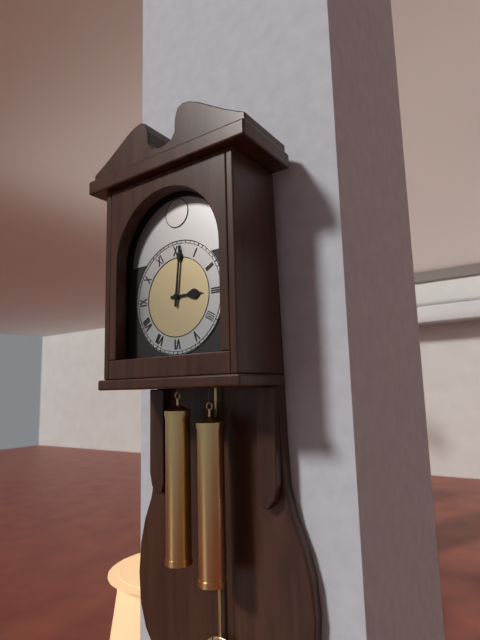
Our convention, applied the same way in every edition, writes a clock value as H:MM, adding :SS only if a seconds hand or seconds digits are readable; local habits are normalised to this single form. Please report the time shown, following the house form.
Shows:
3:01
